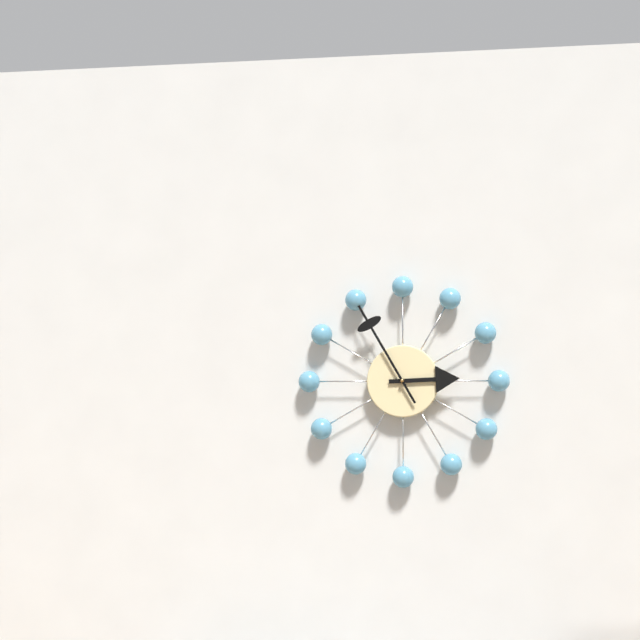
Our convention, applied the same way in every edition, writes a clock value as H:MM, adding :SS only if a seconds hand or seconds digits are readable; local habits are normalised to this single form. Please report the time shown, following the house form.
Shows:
2:55
